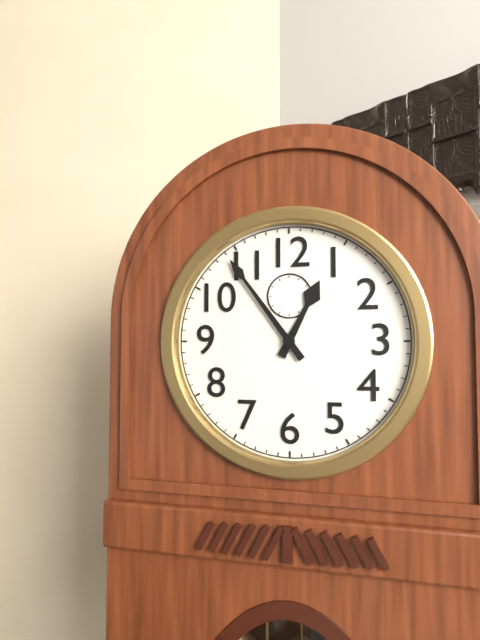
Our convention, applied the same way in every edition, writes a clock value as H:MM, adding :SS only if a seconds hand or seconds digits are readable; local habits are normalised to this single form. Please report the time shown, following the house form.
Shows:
12:54
